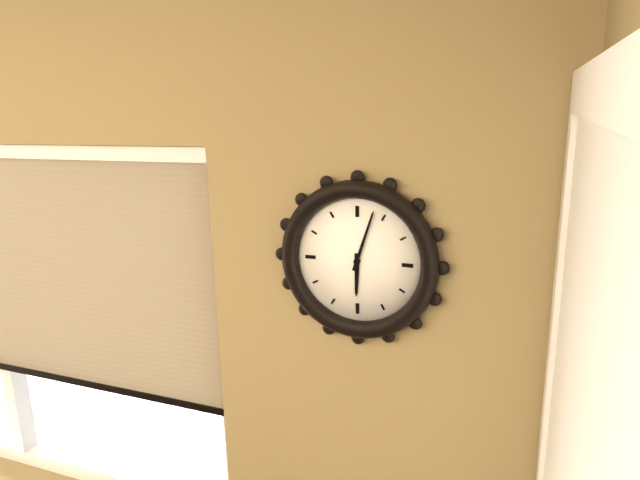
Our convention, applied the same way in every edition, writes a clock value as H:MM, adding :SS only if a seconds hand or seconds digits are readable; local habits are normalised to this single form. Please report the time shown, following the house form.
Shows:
6:03
